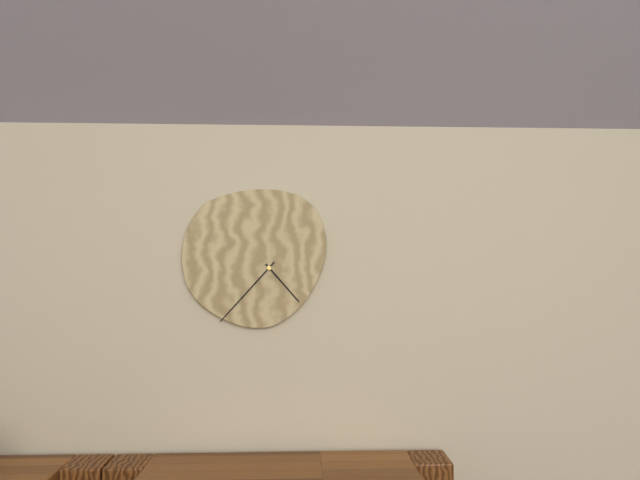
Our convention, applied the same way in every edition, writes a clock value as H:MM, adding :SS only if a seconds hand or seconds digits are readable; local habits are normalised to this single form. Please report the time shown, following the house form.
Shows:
4:37
